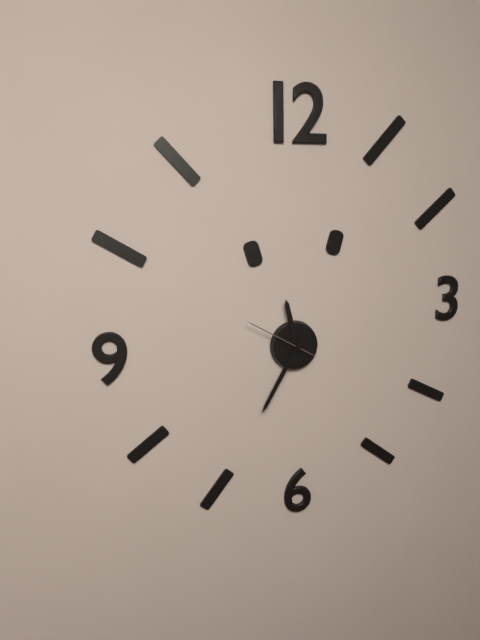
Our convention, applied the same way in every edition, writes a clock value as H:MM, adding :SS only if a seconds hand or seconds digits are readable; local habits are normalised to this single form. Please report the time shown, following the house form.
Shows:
11:35:50
